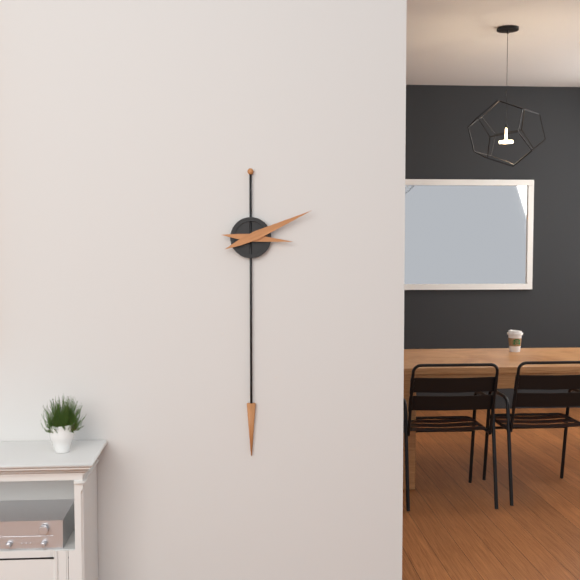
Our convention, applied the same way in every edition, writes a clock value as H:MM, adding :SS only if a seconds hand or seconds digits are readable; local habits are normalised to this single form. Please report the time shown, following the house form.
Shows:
3:11
